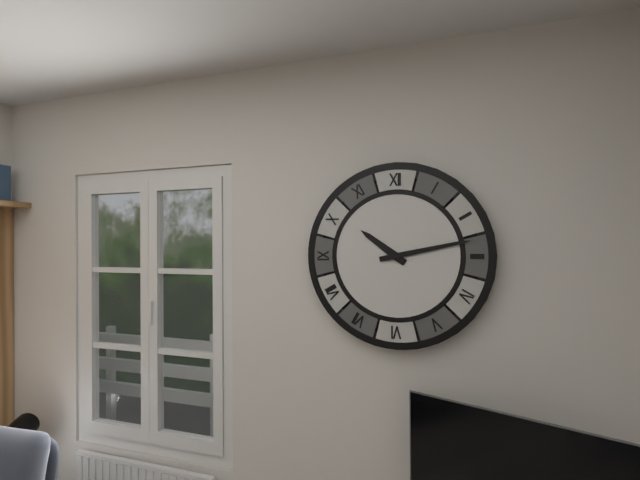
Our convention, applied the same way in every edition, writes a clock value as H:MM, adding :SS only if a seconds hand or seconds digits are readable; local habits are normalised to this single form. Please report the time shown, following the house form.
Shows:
10:13
